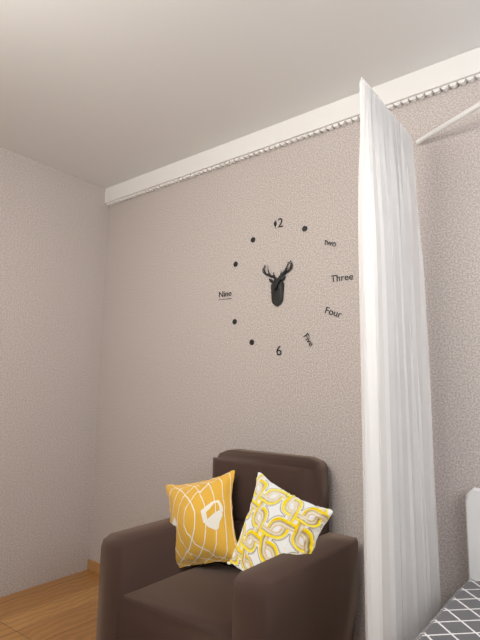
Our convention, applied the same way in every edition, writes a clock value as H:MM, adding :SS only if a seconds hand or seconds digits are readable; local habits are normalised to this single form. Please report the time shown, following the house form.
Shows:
1:06
